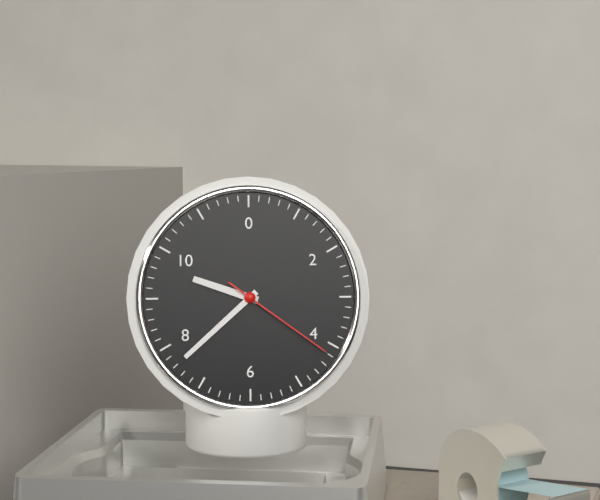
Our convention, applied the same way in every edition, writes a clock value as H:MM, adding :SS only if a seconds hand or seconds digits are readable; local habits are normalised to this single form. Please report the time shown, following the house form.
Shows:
9:38:21
